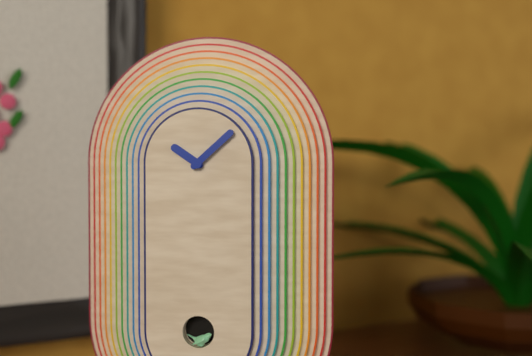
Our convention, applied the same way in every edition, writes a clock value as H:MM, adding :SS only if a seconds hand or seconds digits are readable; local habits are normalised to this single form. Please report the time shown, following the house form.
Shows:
10:08
